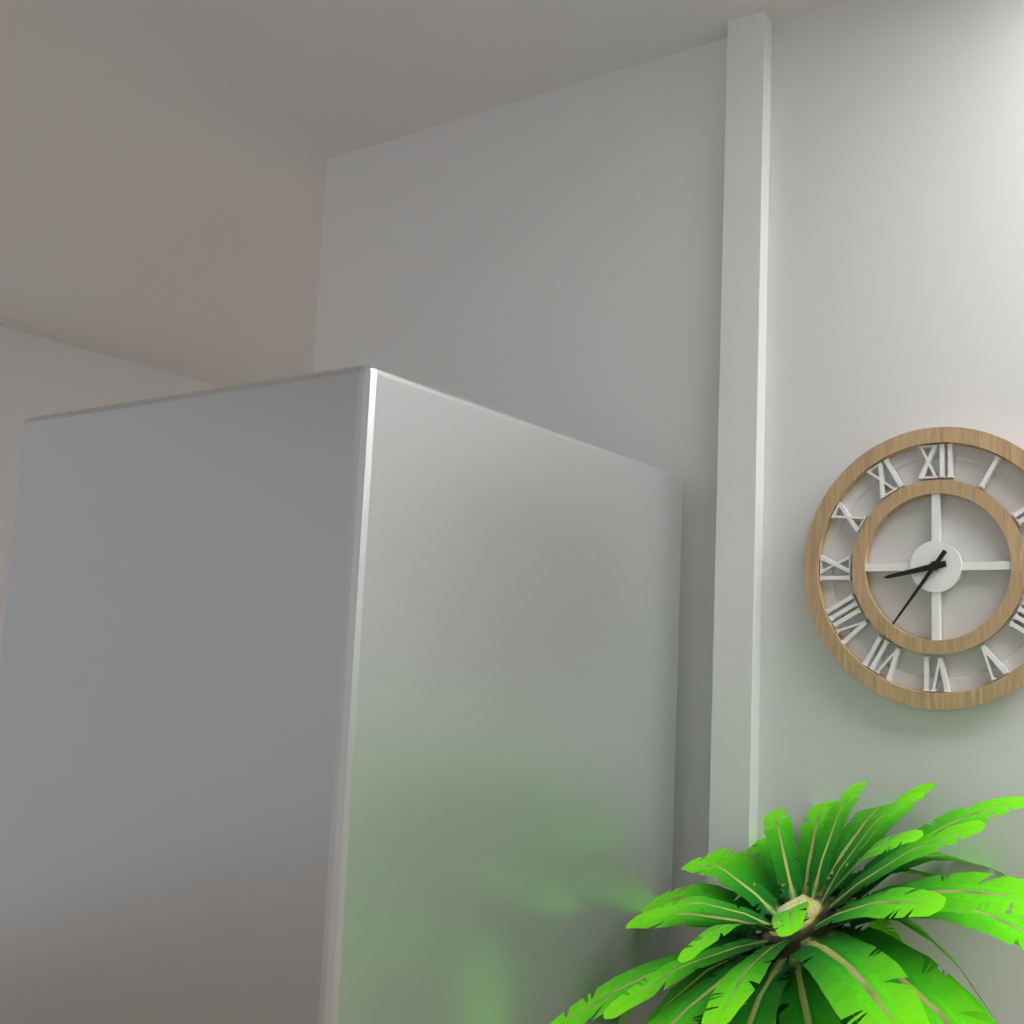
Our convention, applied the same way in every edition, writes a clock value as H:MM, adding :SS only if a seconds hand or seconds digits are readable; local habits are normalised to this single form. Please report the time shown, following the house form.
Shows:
8:36
